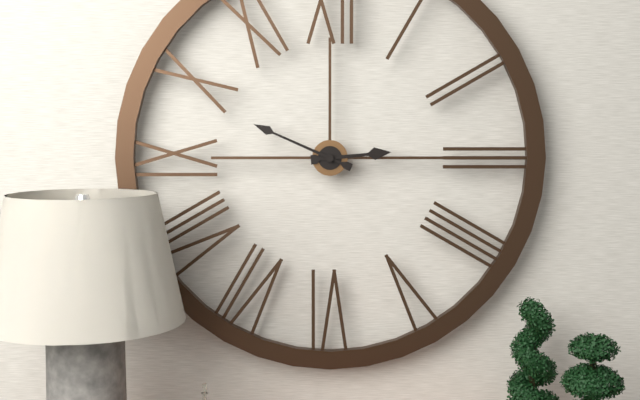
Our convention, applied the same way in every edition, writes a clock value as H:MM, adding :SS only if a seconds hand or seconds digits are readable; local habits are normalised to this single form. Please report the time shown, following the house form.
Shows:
2:49
